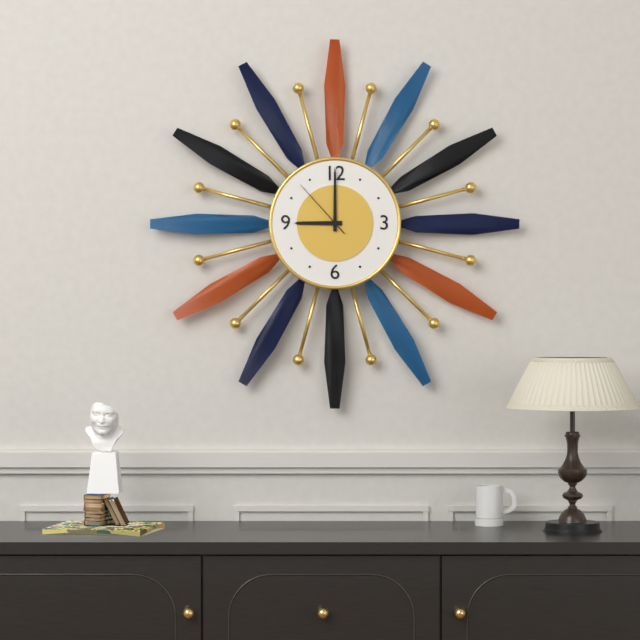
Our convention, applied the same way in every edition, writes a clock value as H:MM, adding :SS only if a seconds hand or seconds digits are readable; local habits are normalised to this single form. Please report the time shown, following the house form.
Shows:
9:00:53
